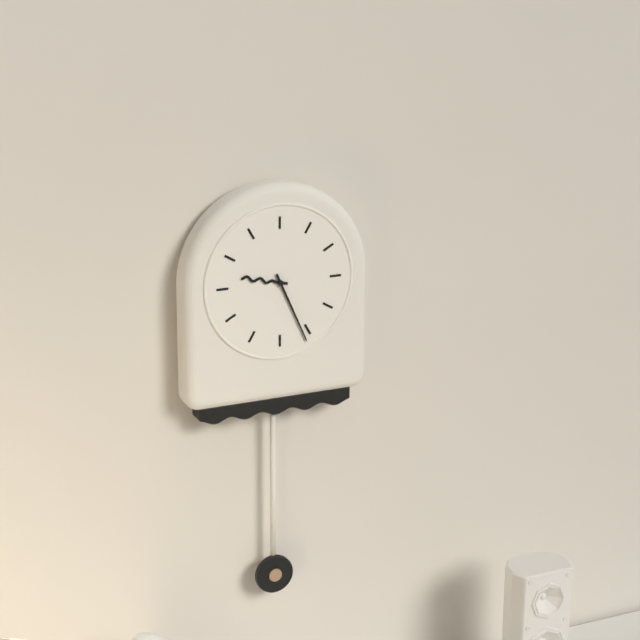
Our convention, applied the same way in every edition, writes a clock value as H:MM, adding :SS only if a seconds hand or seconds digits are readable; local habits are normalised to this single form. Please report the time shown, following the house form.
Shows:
9:26
